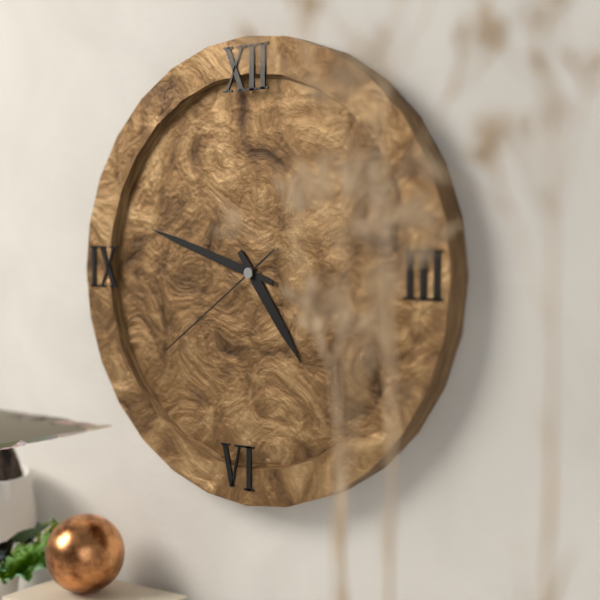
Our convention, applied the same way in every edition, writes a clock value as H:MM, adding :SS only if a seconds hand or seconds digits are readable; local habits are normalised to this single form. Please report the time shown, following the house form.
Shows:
4:48:39
